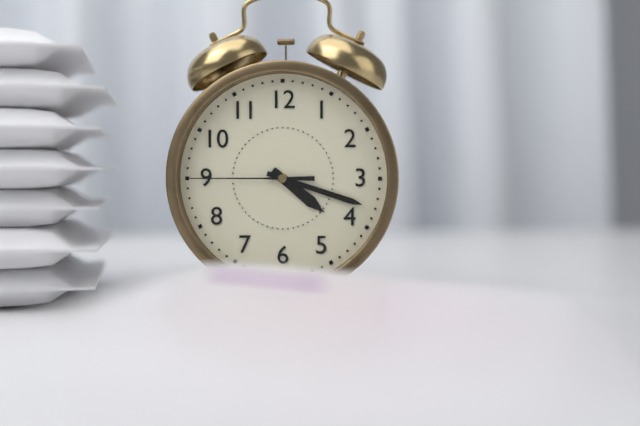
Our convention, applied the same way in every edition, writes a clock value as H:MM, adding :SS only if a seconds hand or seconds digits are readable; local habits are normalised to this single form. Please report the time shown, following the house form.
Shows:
4:18:45
